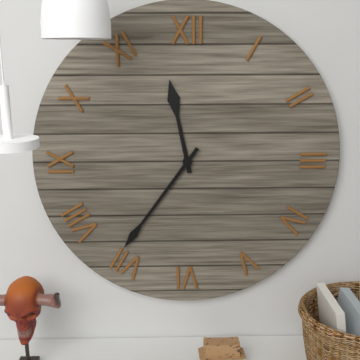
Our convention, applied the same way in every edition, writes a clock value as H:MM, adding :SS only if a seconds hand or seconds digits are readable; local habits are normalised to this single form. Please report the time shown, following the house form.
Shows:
11:36
